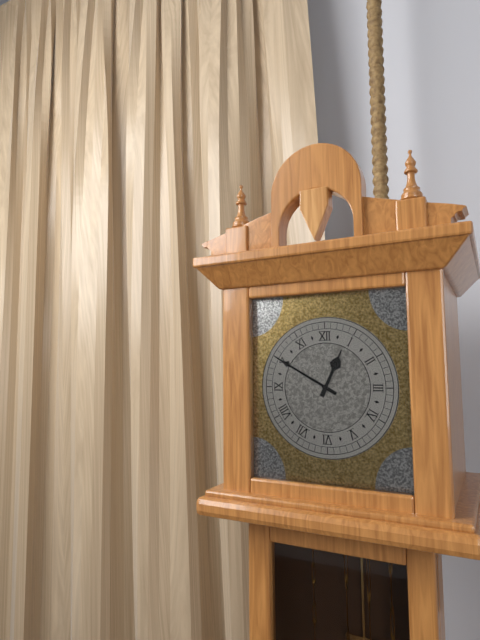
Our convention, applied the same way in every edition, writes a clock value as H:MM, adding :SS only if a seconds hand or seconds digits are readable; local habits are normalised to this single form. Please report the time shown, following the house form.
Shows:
12:50
